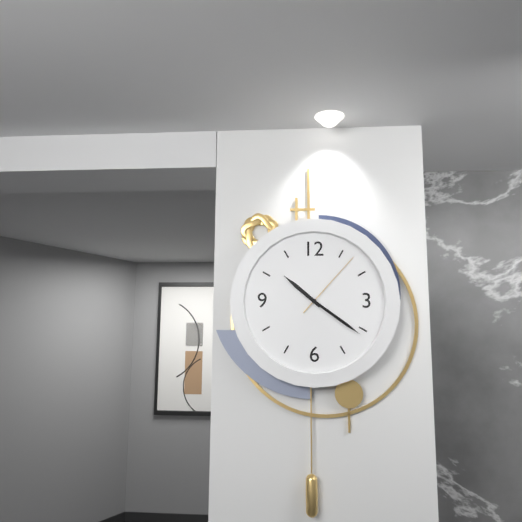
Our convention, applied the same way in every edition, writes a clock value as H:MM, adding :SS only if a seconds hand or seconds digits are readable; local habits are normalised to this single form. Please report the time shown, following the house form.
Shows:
10:21:07
